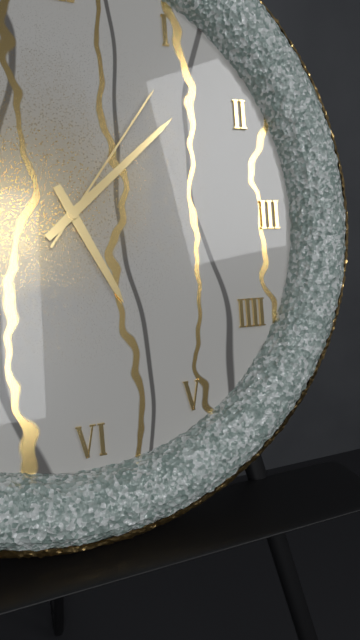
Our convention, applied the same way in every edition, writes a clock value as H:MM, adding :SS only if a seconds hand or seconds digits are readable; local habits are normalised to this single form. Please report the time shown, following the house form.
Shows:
5:08:06
